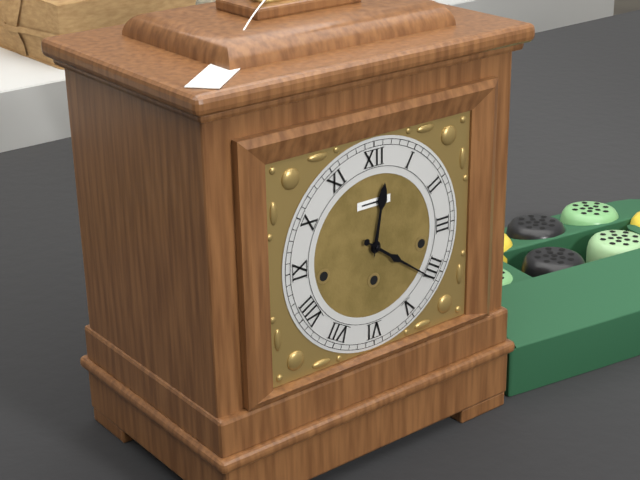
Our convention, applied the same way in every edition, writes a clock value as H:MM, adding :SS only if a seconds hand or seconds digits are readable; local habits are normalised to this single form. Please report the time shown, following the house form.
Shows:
12:21
